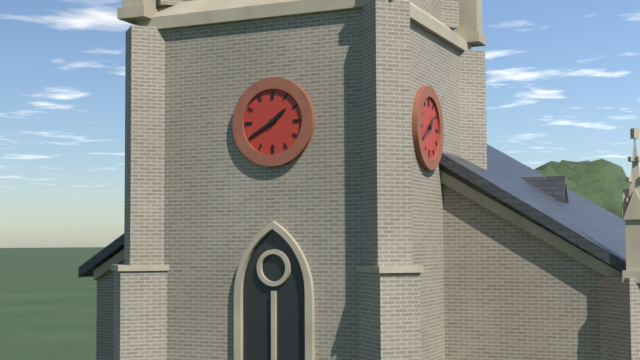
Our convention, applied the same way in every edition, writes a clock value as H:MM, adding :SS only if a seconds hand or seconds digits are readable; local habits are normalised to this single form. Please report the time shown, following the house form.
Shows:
1:40
